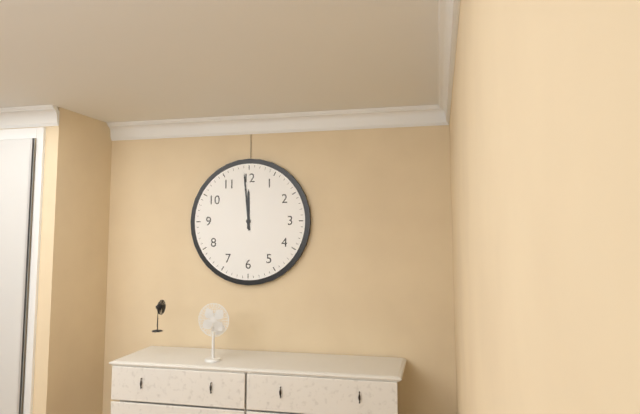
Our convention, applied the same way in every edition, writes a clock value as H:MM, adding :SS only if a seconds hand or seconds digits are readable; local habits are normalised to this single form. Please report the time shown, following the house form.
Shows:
11:59
